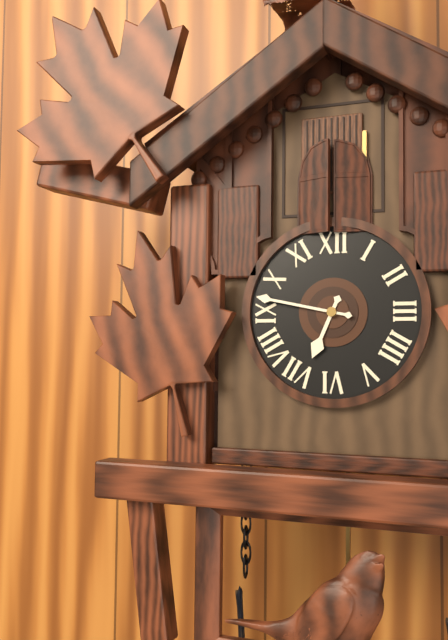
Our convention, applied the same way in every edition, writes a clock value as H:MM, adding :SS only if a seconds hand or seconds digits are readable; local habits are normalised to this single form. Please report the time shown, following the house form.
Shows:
6:47
